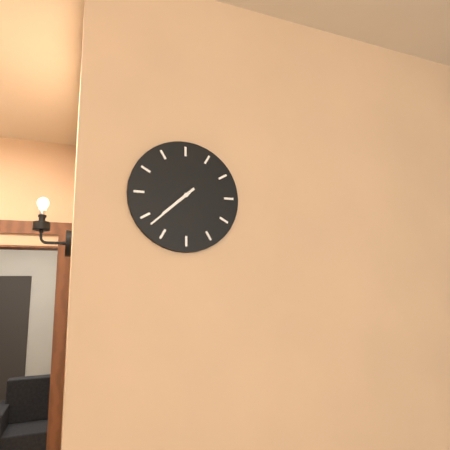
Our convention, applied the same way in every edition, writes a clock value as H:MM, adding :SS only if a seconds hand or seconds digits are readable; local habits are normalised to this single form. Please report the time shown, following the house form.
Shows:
7:38
